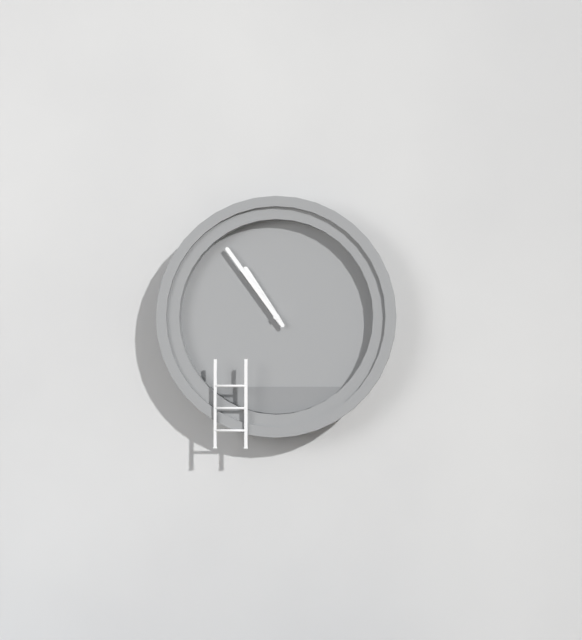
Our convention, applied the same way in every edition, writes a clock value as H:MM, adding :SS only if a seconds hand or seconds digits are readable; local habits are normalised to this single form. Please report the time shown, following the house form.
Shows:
10:54
